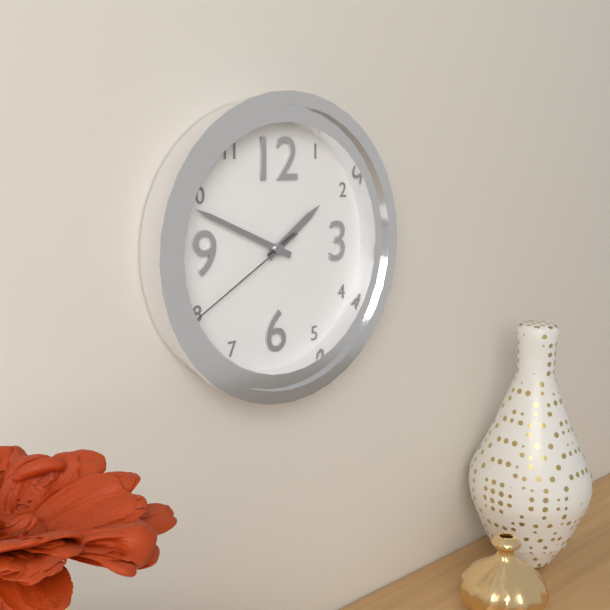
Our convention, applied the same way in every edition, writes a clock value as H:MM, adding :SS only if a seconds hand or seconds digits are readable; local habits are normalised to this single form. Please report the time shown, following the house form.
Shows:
1:49:40
